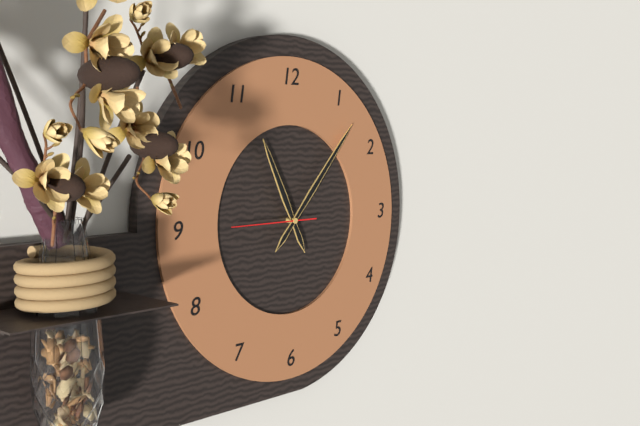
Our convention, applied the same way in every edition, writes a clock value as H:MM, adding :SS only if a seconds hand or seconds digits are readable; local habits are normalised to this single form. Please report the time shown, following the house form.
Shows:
11:07:45
